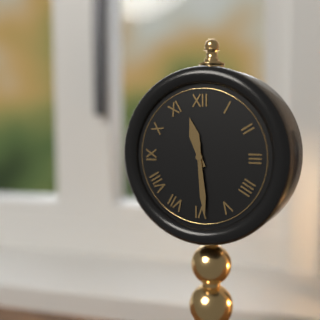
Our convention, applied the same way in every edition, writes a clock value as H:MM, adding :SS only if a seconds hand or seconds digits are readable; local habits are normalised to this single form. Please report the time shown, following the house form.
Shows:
11:29
